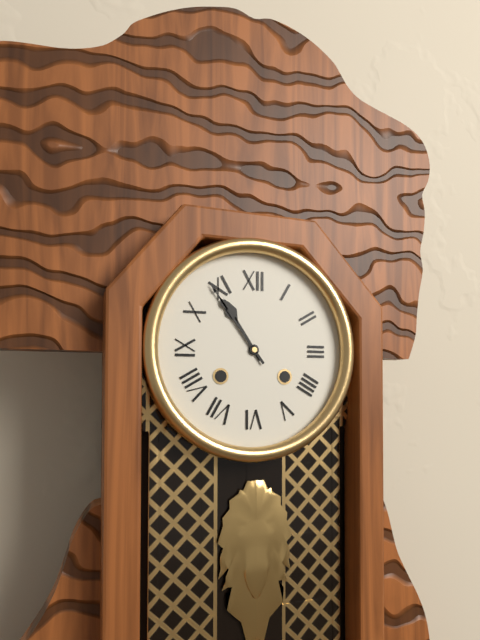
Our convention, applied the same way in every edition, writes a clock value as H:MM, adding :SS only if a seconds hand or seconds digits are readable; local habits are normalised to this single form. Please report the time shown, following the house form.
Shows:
10:54
